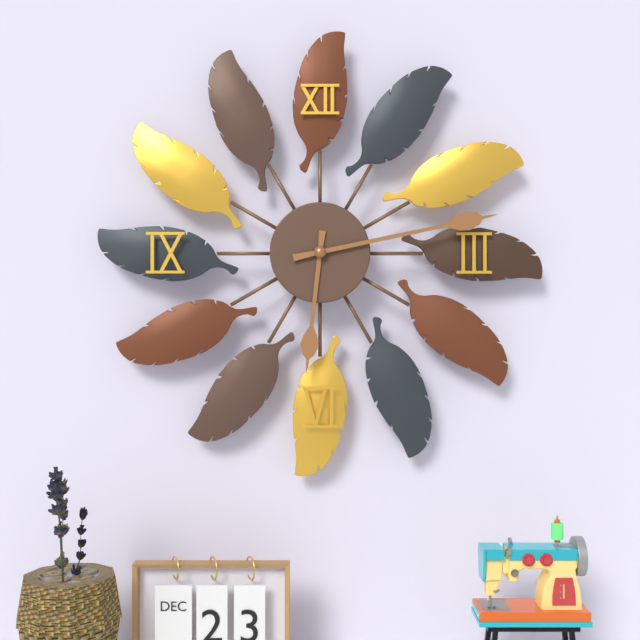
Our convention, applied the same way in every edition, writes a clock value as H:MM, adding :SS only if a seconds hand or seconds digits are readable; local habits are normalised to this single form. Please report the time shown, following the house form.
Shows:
6:13
